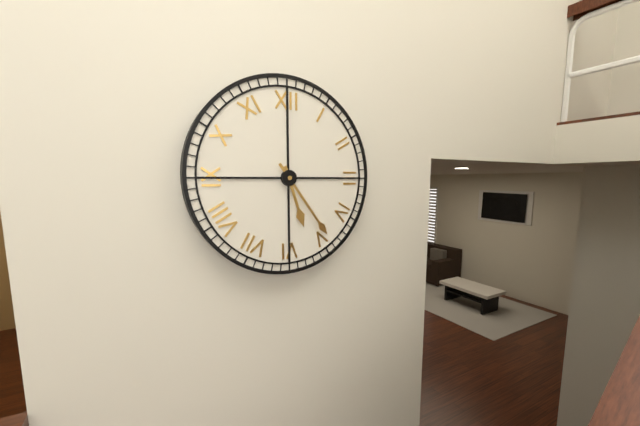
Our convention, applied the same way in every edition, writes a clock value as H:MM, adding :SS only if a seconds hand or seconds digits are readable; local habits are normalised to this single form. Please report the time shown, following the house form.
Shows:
5:24
